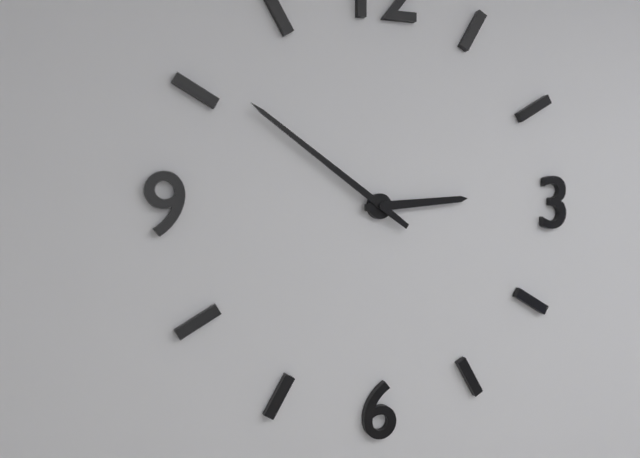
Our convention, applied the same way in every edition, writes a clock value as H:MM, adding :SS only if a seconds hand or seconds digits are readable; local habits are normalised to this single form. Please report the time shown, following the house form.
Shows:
2:51
